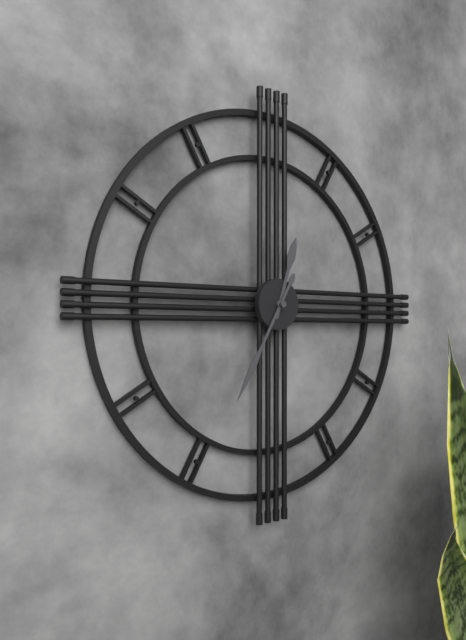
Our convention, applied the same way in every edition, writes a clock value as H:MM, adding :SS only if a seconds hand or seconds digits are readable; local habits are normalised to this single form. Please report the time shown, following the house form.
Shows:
12:35
